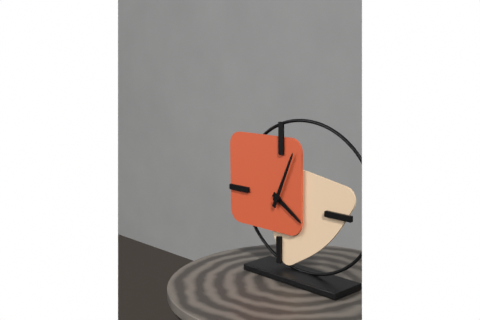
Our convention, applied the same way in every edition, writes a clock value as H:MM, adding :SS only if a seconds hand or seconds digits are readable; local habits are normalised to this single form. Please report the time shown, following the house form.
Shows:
4:04
